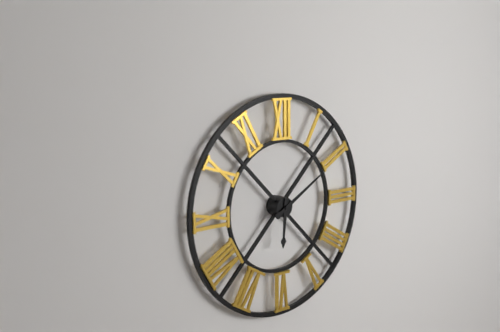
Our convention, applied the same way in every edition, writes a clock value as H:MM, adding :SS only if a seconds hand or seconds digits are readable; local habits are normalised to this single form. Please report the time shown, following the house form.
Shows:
6:10
